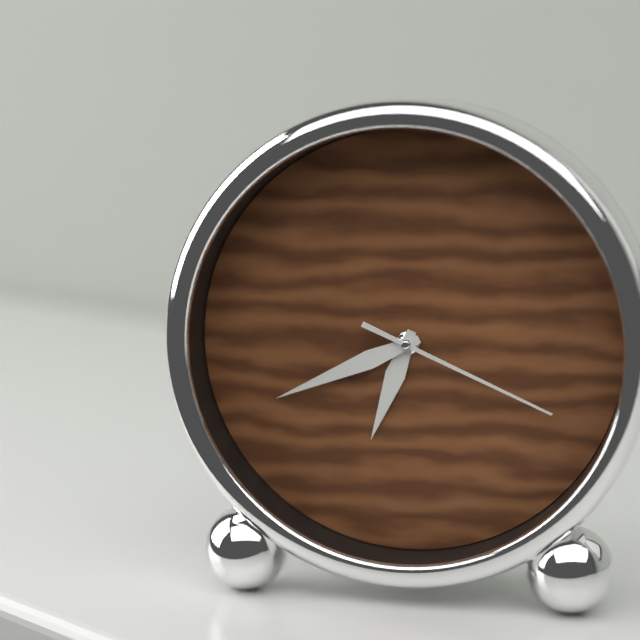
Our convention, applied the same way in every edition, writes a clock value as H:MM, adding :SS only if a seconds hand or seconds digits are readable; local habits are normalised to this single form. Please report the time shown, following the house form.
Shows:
6:41:19
